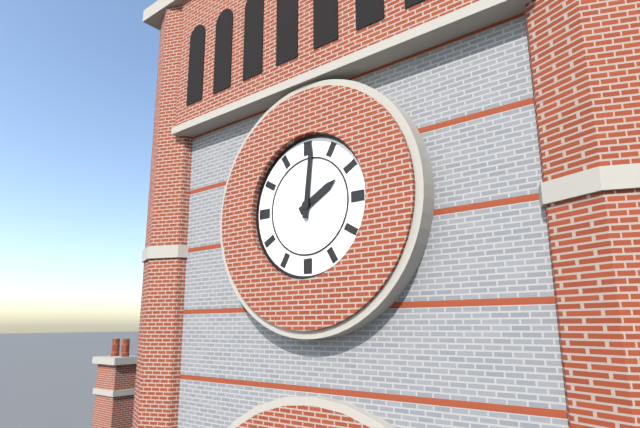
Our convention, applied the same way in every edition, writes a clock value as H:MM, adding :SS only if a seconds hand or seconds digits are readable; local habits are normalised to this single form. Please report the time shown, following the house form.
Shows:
2:01
